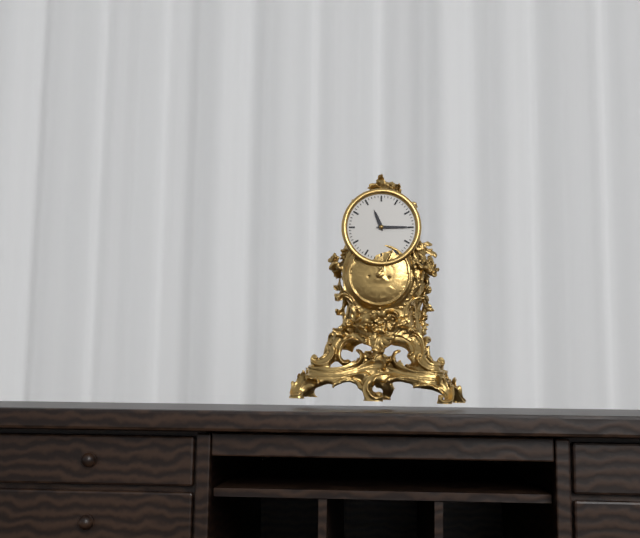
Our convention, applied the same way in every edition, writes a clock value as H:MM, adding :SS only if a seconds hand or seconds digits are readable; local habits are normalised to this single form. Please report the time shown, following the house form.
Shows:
11:15
